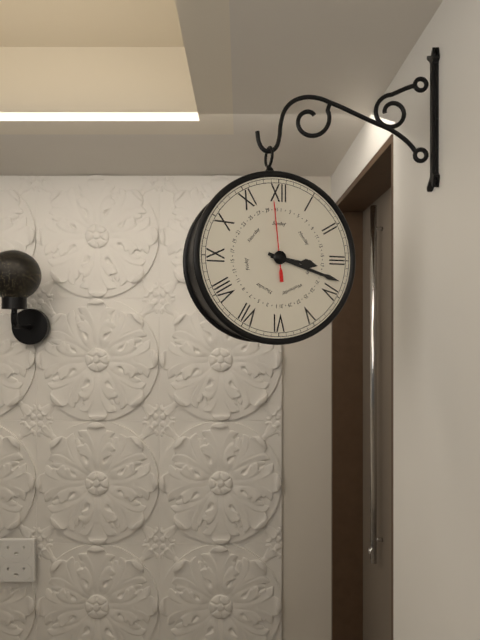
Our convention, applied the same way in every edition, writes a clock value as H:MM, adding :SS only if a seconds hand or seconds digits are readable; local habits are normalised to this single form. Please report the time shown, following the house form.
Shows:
3:18:59
